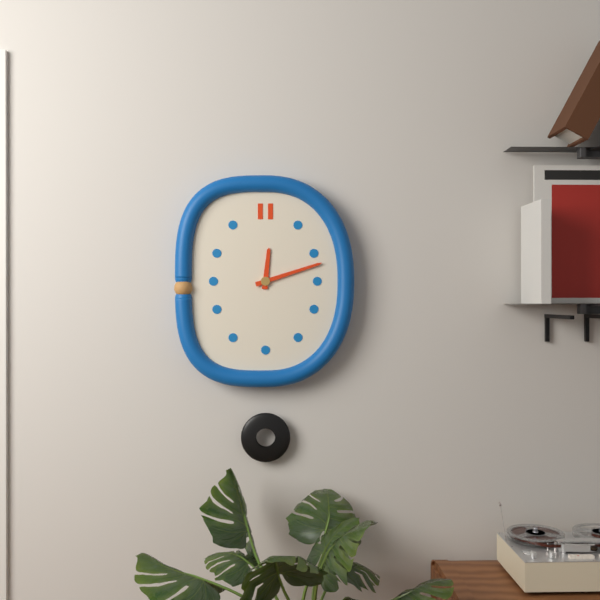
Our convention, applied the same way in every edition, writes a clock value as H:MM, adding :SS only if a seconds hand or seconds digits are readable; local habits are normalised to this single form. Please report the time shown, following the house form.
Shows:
12:12
